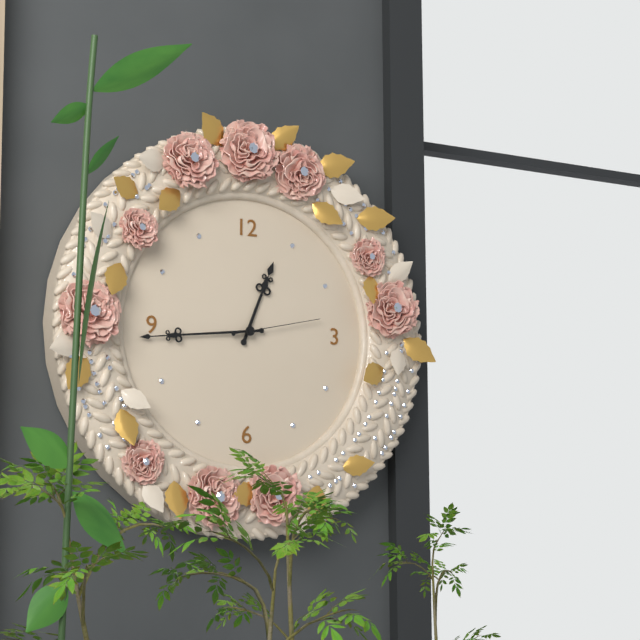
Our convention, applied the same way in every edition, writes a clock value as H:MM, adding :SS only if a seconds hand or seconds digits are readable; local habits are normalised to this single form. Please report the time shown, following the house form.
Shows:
12:44:13
